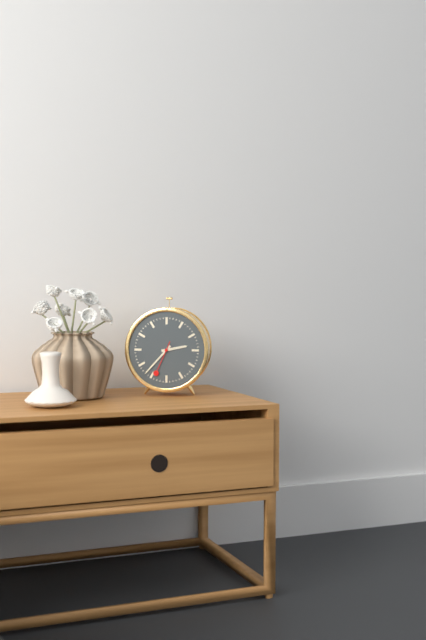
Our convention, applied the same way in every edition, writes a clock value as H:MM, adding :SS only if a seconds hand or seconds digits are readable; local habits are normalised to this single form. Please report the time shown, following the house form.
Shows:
2:37
